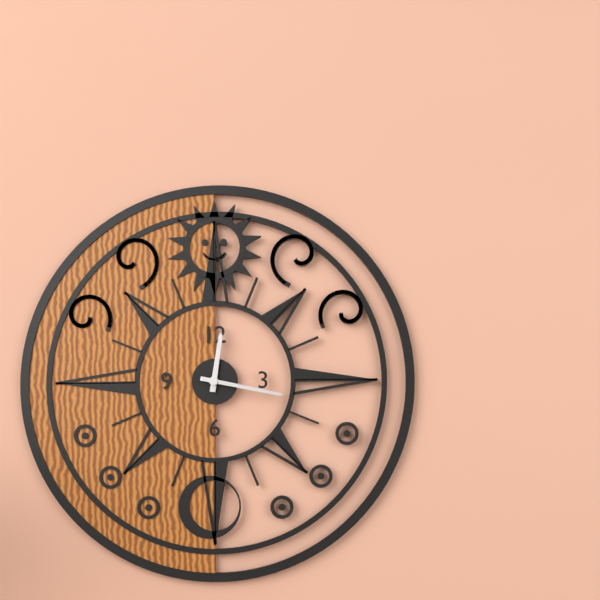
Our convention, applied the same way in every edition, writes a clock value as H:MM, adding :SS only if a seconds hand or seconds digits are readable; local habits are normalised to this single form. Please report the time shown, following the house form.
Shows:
12:17
